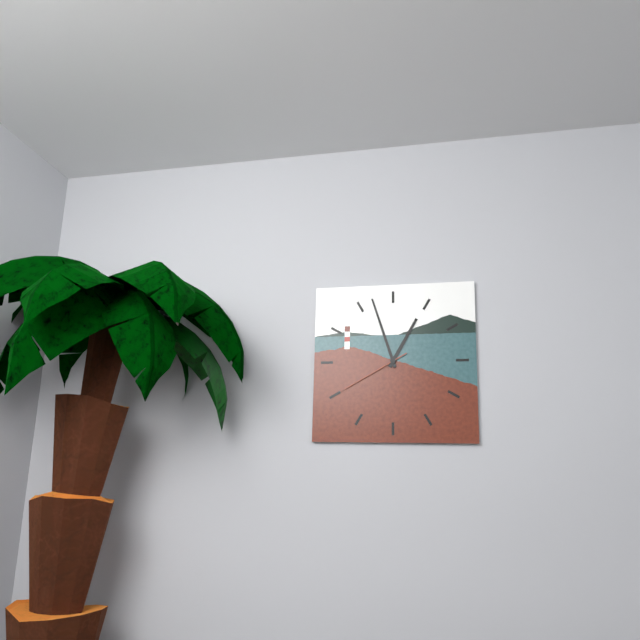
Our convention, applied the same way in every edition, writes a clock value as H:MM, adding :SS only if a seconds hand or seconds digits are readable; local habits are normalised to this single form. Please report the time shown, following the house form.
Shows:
12:57:40
